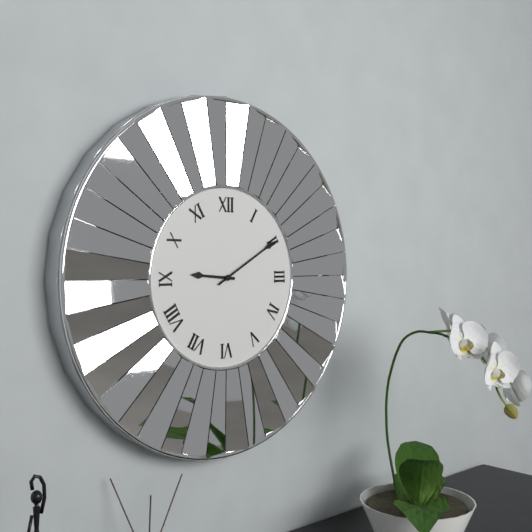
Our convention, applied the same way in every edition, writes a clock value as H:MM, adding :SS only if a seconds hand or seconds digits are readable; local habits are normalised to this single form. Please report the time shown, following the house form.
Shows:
9:10
